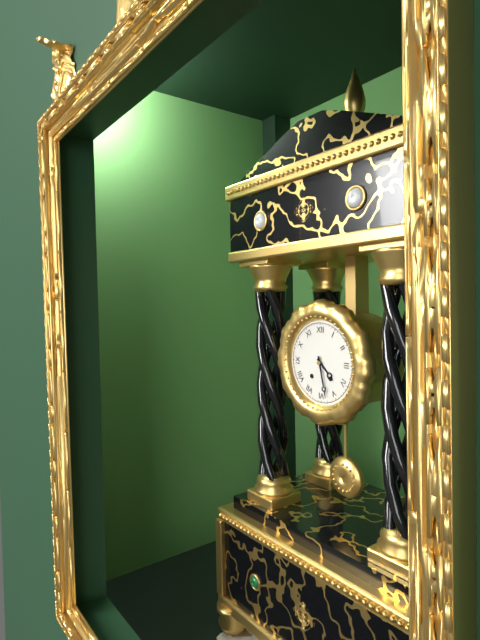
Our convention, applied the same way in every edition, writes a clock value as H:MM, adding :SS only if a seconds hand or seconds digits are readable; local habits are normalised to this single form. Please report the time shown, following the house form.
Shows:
4:28
